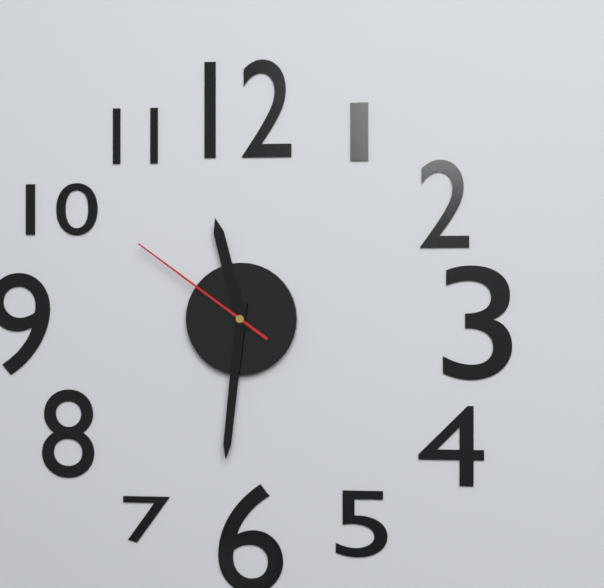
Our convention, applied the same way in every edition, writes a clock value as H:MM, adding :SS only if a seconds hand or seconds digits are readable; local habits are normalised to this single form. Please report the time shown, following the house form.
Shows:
11:31:51
